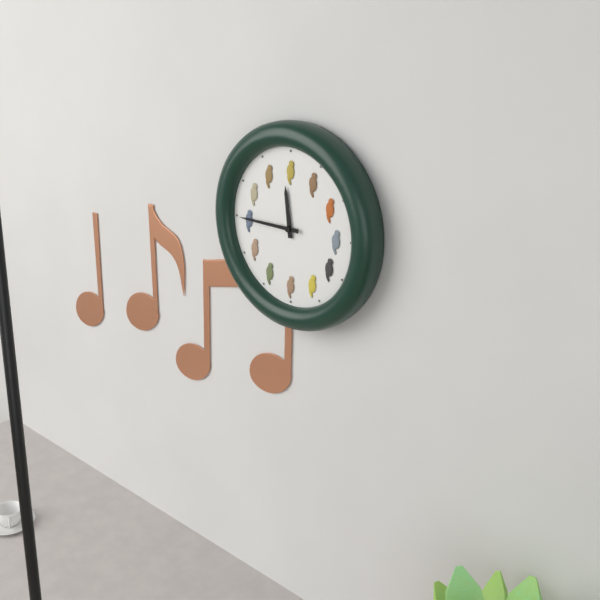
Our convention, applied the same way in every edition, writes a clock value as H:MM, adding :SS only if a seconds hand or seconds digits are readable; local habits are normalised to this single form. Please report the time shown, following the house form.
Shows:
11:45
